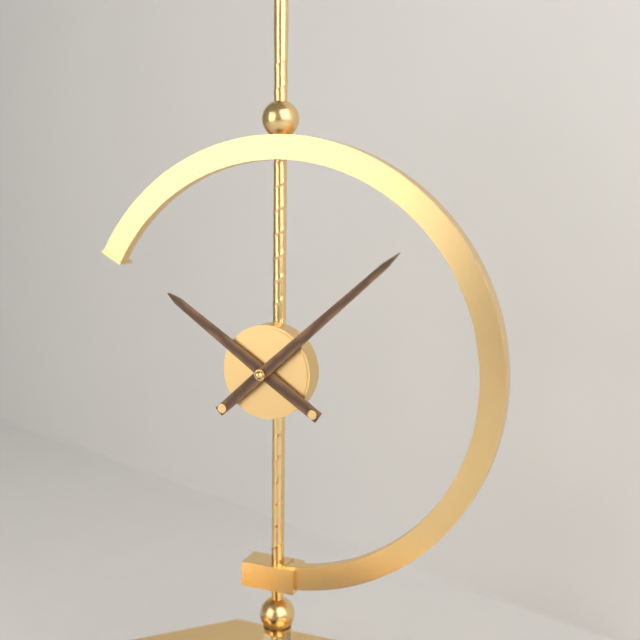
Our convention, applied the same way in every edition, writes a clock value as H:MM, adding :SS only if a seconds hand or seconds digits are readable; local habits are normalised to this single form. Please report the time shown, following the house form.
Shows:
10:08
